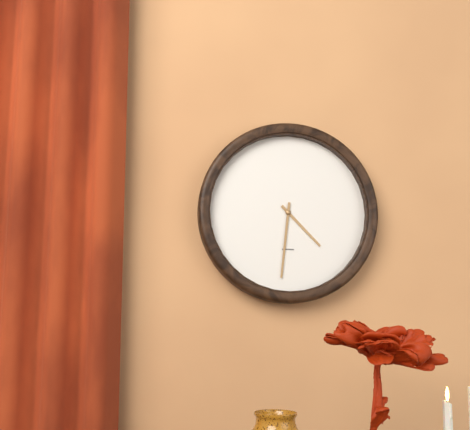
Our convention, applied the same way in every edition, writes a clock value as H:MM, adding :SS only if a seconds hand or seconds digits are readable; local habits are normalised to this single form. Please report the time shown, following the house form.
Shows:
4:31
